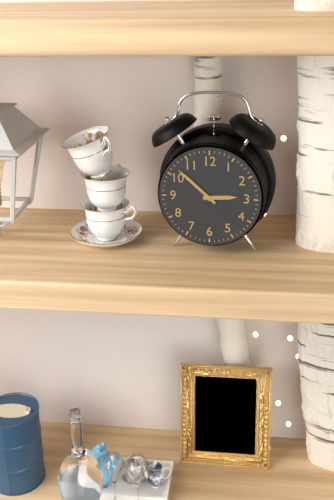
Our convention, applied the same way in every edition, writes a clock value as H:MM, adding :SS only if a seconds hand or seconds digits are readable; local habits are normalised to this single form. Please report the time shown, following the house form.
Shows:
2:52
